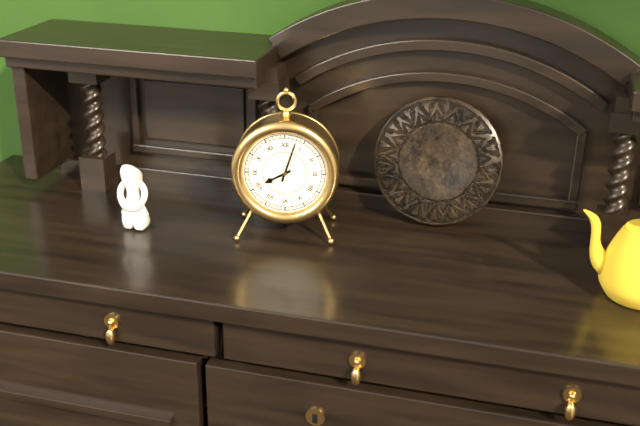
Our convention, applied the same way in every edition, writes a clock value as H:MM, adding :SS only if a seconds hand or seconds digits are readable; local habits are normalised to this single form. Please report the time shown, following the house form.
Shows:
8:03
